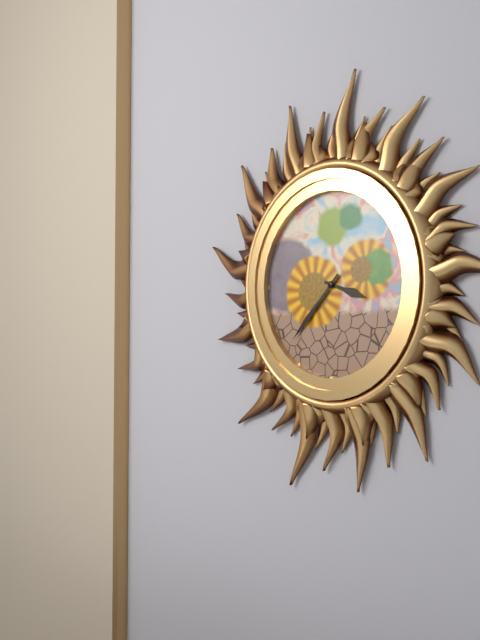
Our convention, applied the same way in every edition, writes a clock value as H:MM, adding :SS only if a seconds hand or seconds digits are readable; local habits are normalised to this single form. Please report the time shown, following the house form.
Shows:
3:37
